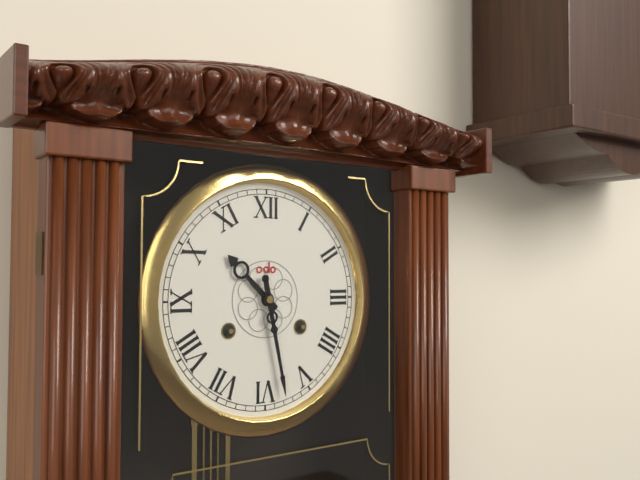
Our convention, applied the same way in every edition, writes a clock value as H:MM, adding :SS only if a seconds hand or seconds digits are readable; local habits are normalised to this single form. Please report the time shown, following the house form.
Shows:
10:28
